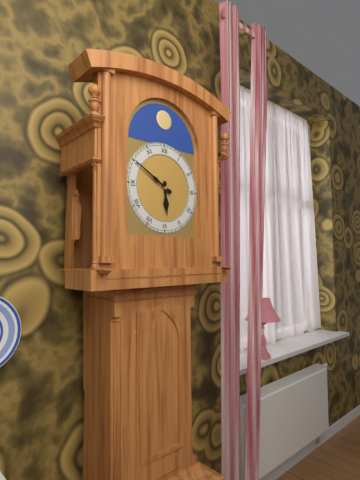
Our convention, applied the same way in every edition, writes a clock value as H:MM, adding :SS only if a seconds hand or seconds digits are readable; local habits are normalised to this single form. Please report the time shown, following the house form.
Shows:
5:50
